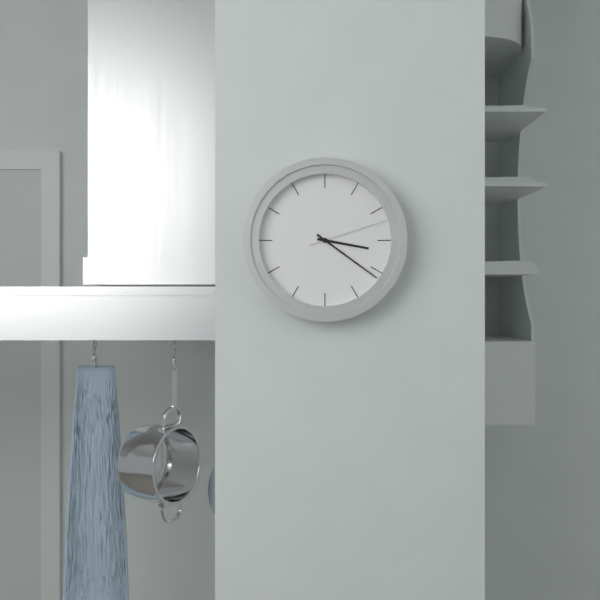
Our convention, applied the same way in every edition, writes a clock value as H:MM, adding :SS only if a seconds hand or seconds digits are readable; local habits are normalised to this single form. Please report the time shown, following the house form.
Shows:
3:21:12
